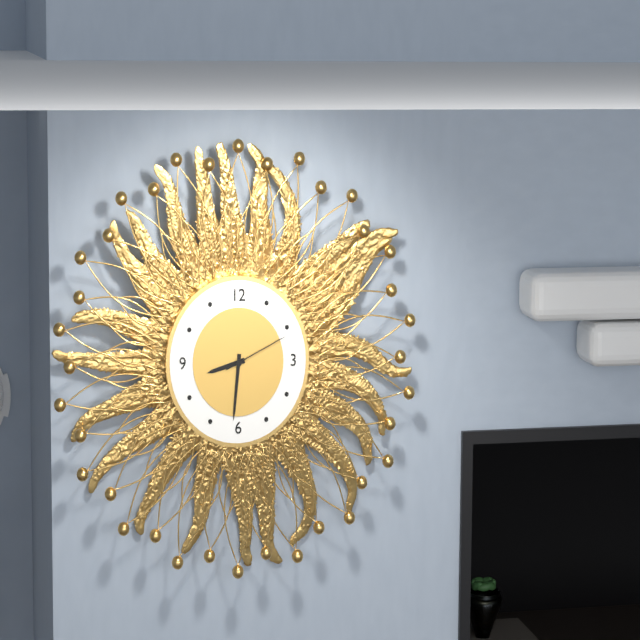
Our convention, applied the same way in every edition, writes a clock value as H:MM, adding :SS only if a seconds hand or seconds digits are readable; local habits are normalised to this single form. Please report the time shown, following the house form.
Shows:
8:31:11
